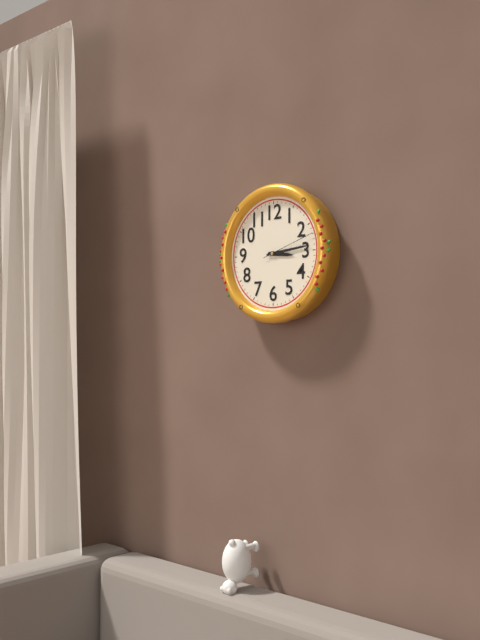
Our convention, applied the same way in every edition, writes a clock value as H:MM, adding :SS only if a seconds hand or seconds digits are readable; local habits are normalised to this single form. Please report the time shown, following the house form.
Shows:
3:14:12
